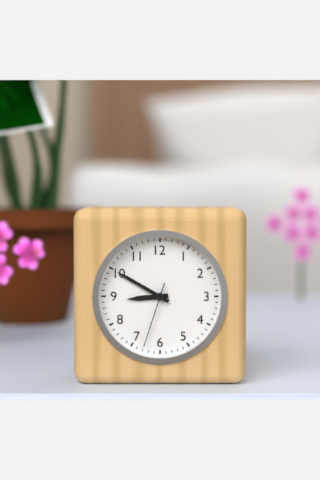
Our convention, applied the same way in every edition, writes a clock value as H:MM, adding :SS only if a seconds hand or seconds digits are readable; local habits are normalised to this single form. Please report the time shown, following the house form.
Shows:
8:50:33
